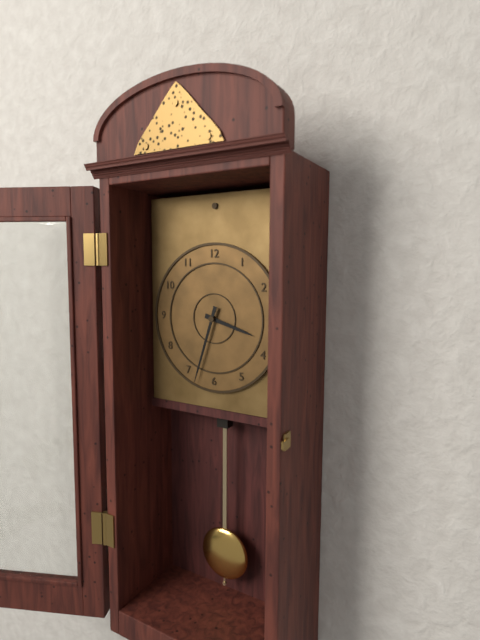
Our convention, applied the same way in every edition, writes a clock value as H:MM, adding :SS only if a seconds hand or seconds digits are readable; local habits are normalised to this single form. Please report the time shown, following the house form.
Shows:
3:33
